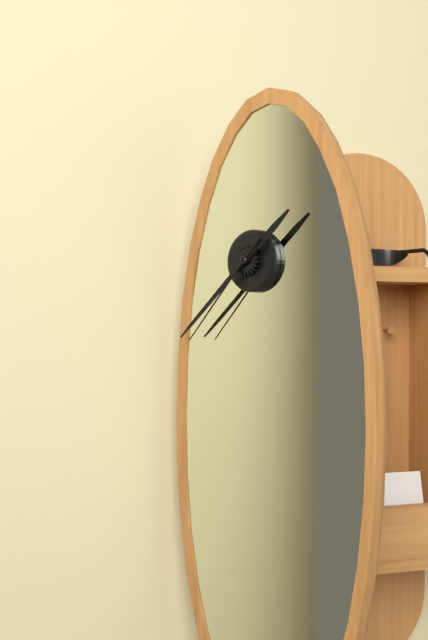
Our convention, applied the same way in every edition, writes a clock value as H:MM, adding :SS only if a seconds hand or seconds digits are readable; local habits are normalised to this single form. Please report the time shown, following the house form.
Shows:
1:38:37
